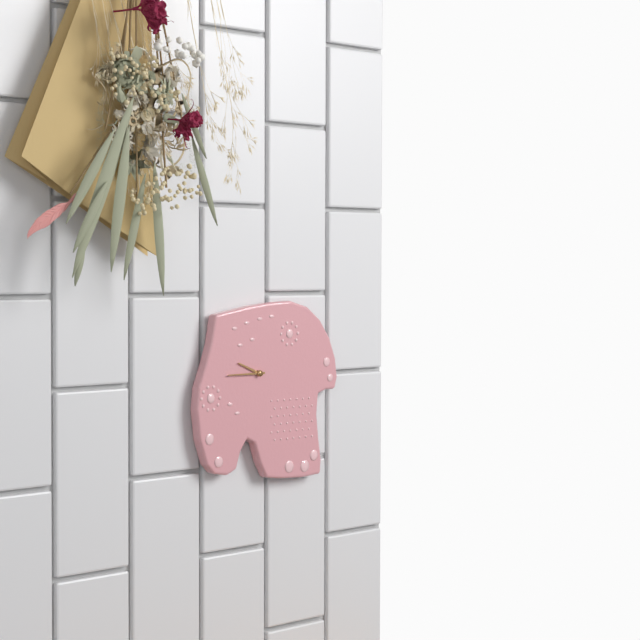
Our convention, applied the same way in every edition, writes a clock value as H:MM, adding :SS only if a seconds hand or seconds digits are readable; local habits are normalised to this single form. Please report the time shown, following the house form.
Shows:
9:45
